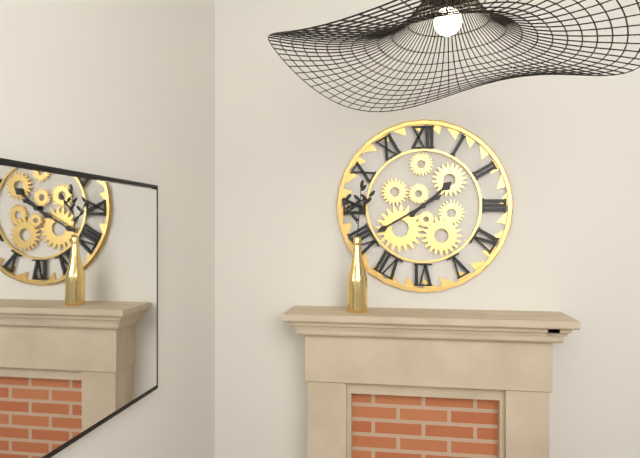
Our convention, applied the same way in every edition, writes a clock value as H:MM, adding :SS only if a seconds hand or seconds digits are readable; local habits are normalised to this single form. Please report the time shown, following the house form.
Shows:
1:40
